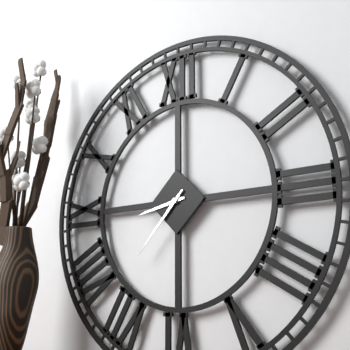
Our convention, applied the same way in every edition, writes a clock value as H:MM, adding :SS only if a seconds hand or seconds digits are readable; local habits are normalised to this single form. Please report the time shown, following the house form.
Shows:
8:37
